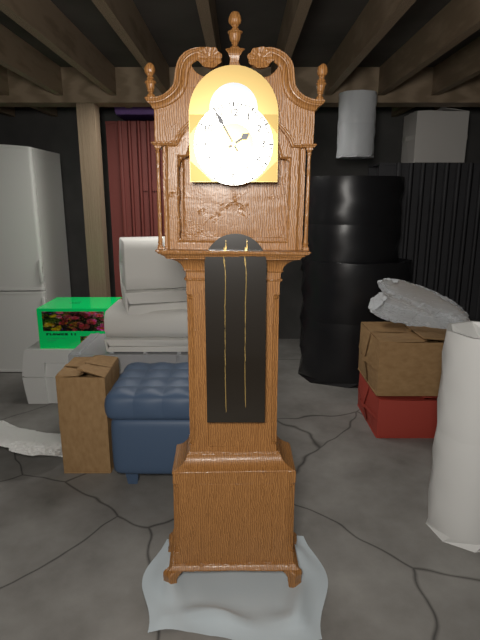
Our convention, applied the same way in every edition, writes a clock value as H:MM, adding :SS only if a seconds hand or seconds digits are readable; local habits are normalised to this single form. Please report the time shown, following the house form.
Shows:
1:55
